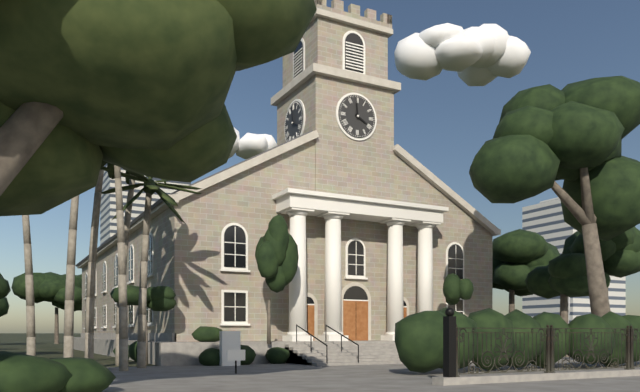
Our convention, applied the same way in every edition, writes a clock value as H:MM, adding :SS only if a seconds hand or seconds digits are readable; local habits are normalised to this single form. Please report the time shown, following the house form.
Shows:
3:59
